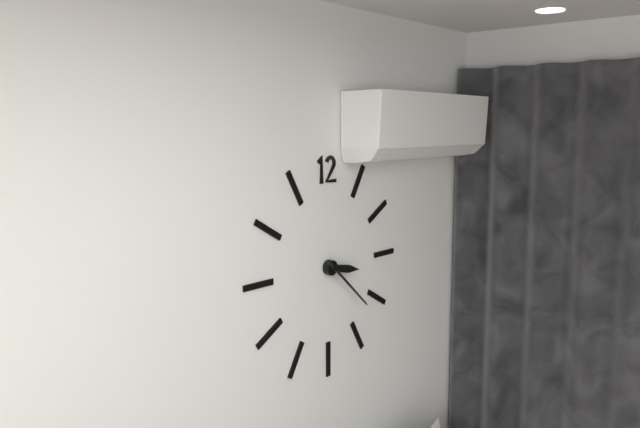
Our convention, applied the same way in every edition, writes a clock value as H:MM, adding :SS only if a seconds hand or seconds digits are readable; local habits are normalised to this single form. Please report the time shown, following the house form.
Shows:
3:22
